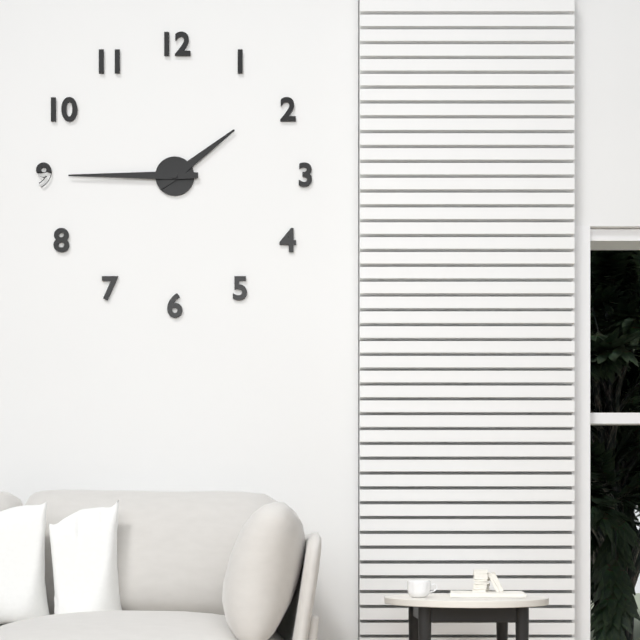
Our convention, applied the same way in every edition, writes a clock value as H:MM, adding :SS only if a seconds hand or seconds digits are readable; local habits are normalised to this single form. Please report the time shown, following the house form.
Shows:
1:45
